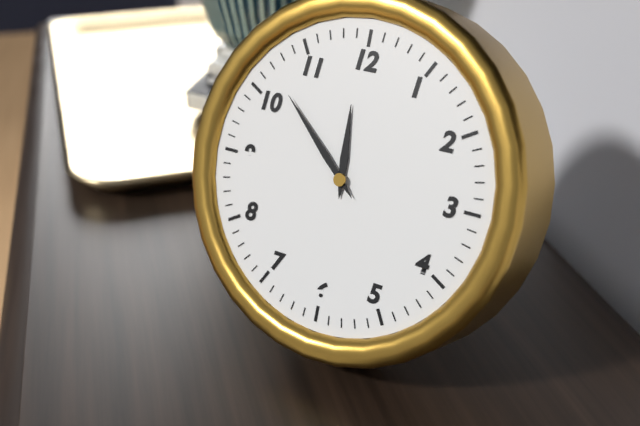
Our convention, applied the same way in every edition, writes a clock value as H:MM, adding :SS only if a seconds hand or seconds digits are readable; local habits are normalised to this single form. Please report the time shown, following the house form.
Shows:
11:52
